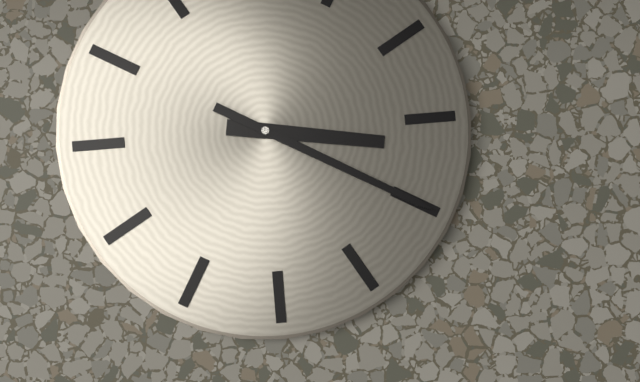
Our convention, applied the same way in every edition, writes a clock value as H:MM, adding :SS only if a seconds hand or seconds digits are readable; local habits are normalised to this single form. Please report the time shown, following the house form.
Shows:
3:20
